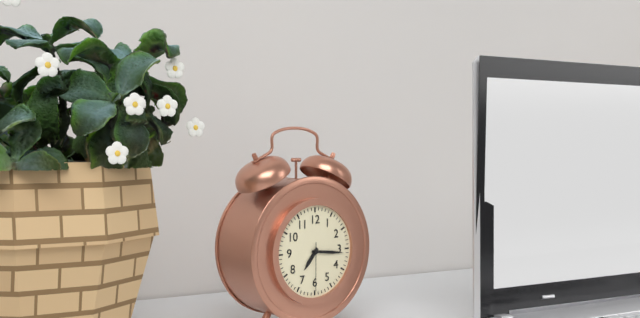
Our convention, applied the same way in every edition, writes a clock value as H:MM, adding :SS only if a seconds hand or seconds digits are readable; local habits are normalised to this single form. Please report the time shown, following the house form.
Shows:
7:16:30
